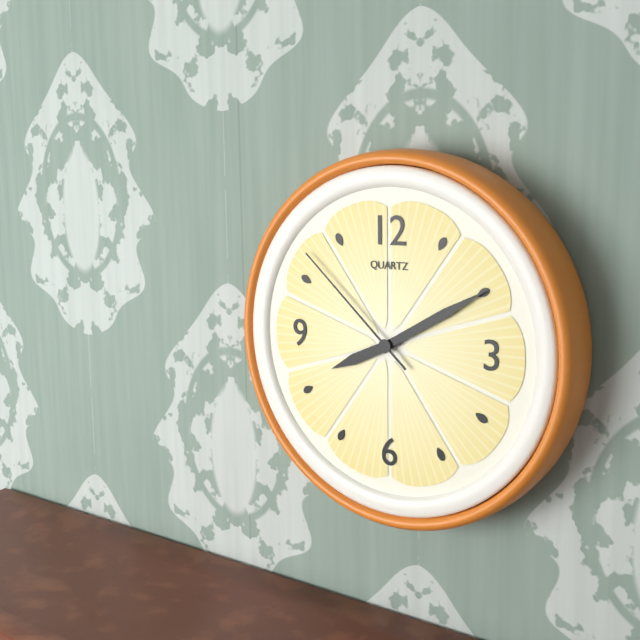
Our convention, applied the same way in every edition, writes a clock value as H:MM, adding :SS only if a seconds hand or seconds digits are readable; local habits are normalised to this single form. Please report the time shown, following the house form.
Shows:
8:10:52
